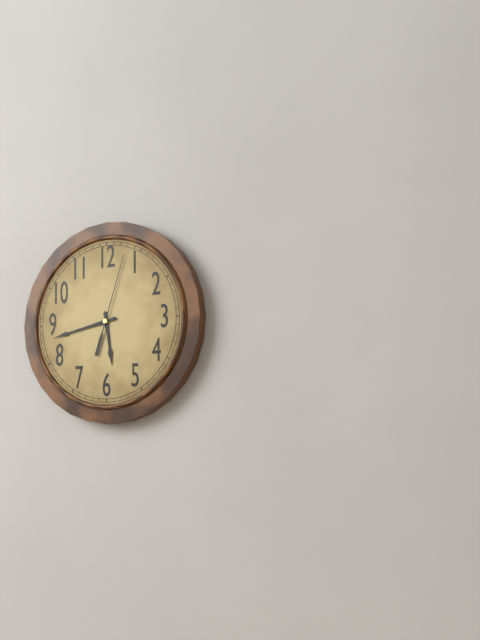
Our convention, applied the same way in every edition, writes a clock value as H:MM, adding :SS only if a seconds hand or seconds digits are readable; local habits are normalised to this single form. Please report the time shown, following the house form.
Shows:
5:43:03
